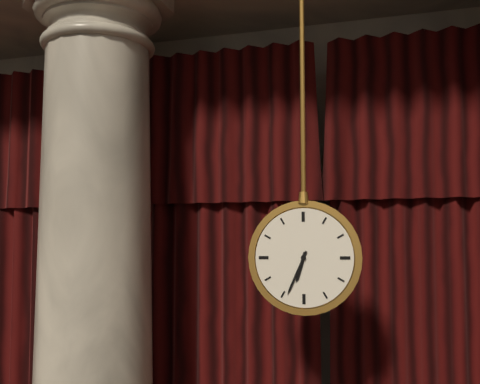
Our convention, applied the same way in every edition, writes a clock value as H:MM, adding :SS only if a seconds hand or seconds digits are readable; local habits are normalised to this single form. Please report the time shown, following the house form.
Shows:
6:34
